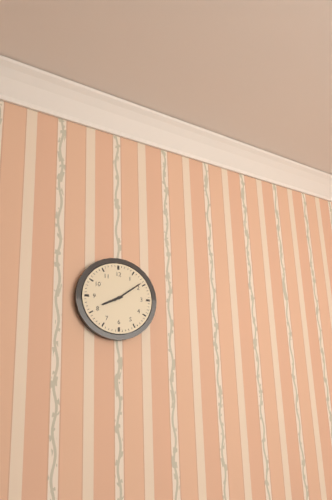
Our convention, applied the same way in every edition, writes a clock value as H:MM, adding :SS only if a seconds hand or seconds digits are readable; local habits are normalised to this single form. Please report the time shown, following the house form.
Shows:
8:09
